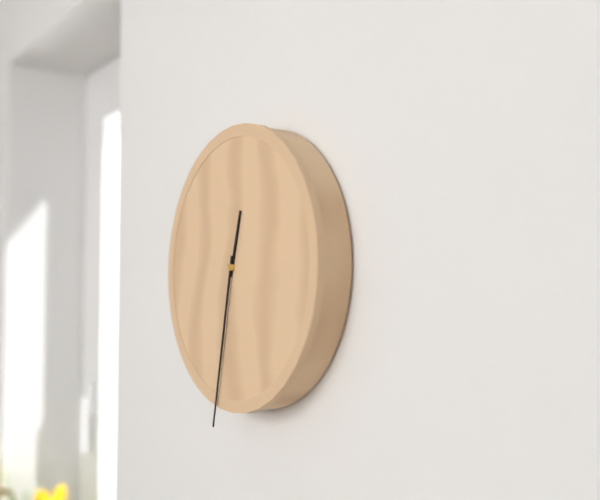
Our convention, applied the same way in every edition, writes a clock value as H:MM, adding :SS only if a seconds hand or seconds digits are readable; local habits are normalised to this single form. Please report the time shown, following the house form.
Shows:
12:32
